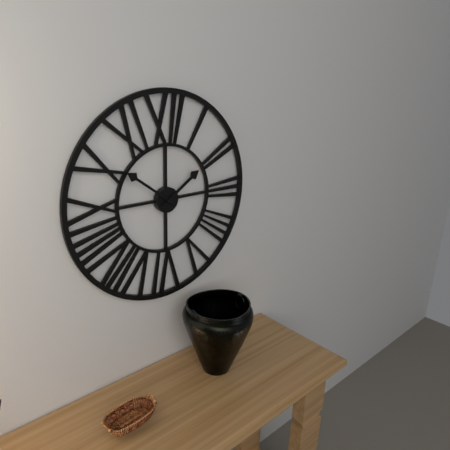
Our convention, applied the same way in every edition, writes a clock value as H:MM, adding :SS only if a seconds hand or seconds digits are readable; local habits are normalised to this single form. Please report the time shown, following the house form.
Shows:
1:51
